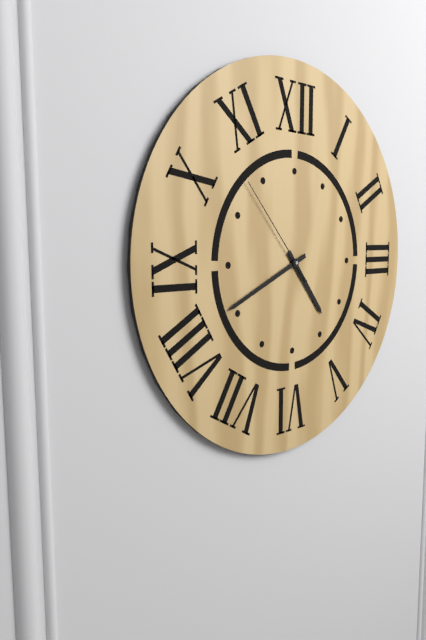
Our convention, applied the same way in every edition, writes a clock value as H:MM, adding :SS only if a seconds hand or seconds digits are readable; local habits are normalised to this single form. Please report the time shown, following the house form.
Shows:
4:41:53
